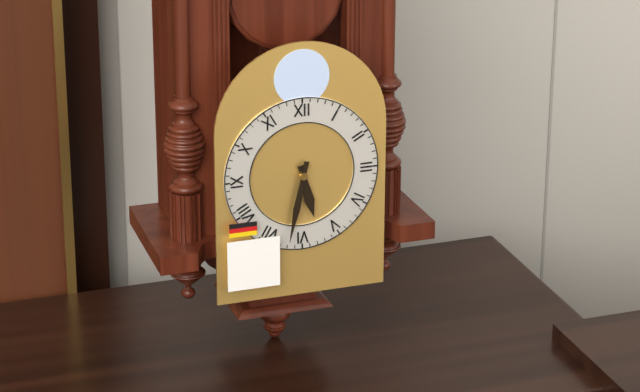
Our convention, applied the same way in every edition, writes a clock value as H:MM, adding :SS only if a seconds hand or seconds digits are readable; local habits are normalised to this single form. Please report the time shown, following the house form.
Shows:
5:32
